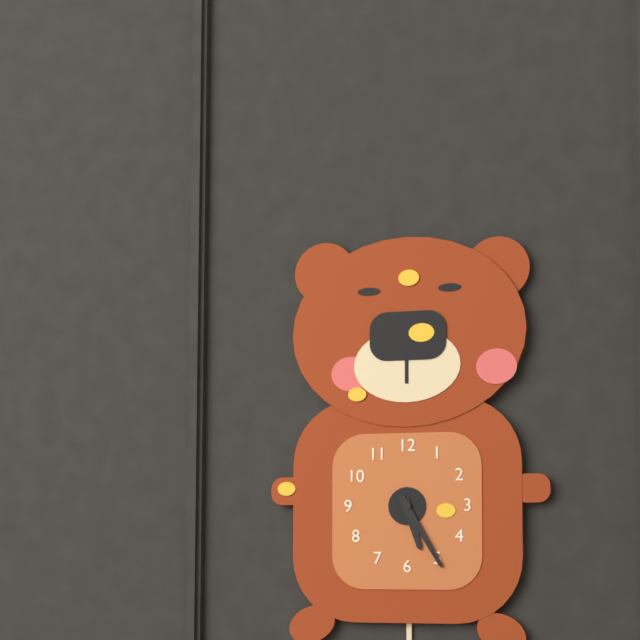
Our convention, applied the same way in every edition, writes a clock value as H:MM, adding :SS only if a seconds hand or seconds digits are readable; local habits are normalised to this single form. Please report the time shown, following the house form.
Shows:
5:25
